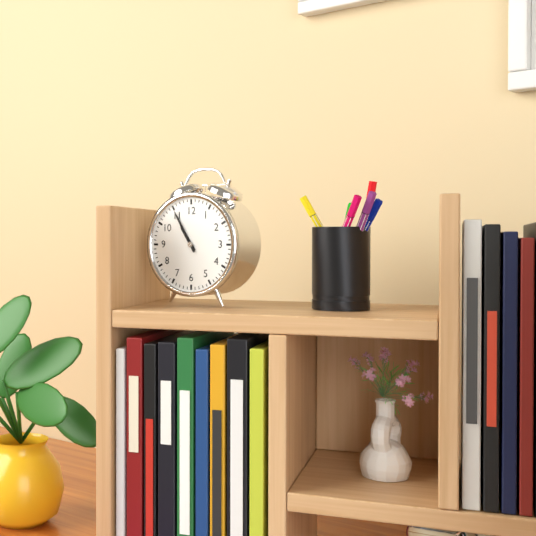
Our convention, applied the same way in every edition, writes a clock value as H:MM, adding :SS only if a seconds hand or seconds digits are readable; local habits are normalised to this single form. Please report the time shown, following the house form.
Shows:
10:55
